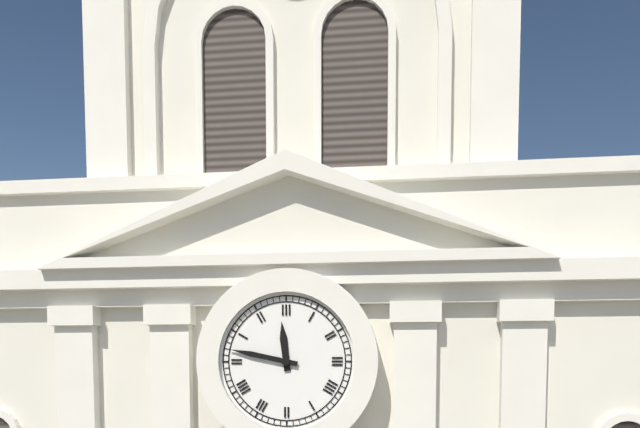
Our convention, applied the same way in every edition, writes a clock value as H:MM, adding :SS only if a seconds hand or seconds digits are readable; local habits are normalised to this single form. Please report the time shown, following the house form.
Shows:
11:47
